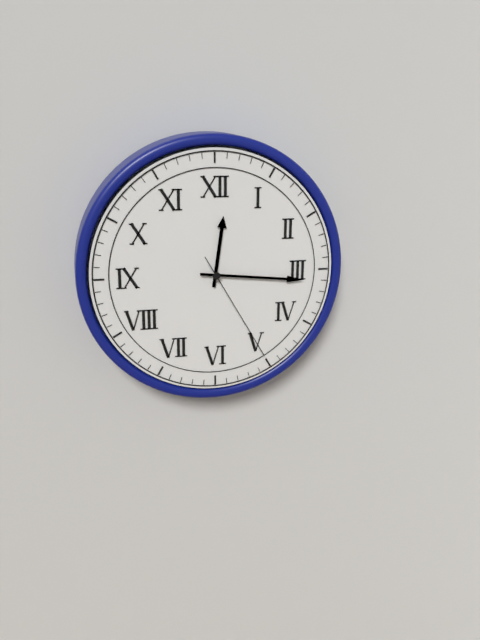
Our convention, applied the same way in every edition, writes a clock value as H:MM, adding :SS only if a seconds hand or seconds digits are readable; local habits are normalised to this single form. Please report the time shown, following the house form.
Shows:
12:16:25
